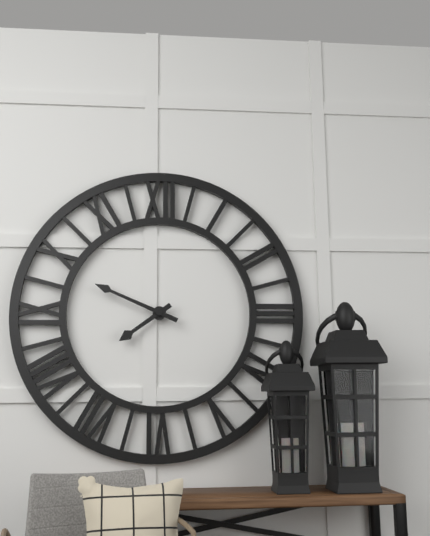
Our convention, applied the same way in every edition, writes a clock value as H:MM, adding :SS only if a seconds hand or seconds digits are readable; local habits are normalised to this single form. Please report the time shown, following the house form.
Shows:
7:49
